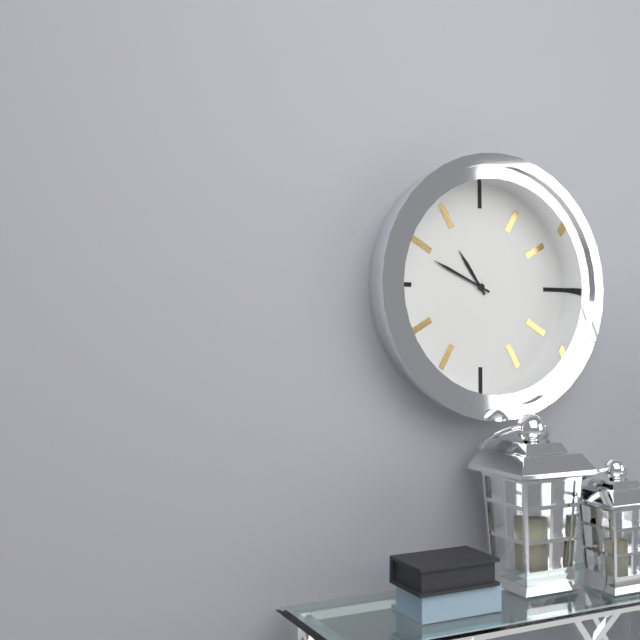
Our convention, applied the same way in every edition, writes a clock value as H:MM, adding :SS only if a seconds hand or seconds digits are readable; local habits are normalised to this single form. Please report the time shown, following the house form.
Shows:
10:49
